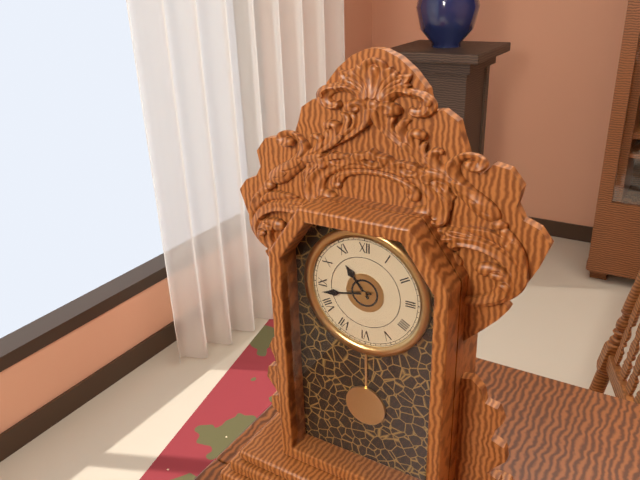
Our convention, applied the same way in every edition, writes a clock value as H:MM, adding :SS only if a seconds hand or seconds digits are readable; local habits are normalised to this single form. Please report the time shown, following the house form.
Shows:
10:43
